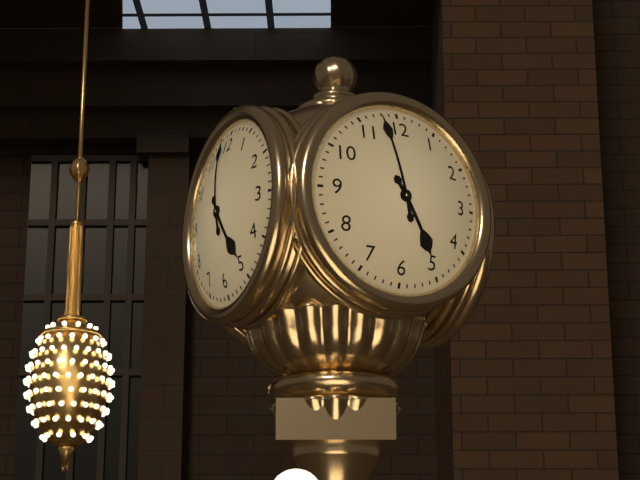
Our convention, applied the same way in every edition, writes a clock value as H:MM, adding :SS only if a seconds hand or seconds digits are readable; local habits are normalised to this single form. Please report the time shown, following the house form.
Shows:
4:58
